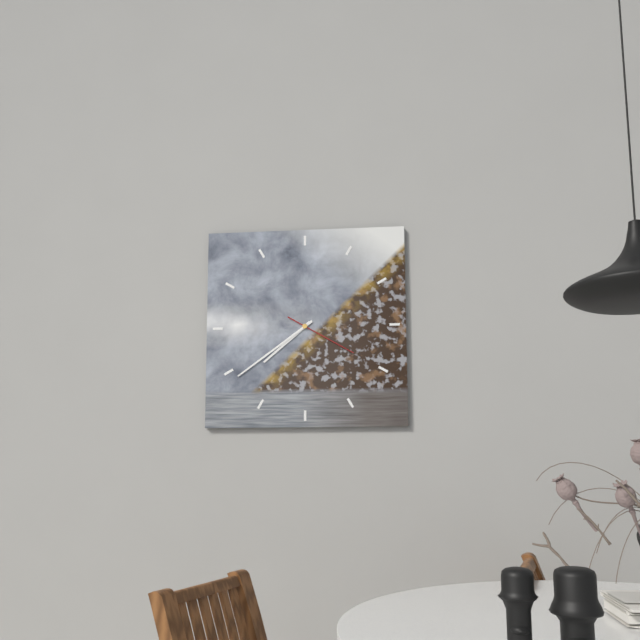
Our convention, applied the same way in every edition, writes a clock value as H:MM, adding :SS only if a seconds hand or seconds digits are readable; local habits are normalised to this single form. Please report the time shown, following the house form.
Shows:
7:39:20
